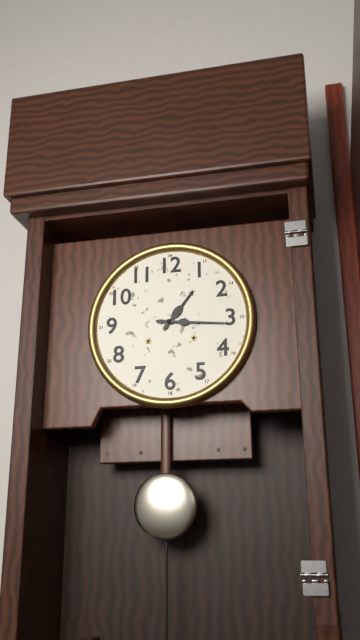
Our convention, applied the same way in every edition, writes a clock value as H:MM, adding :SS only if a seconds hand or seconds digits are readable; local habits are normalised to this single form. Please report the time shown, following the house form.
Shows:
1:16
